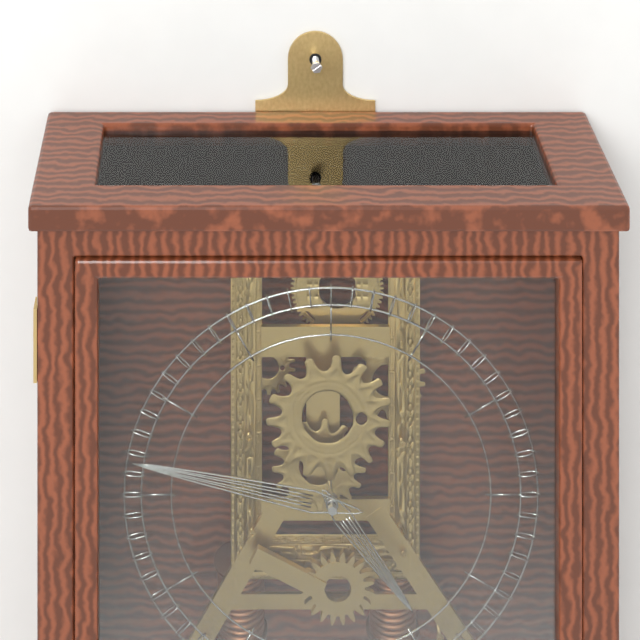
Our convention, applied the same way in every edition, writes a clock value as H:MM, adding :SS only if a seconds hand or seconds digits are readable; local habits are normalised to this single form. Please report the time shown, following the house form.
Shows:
4:47
